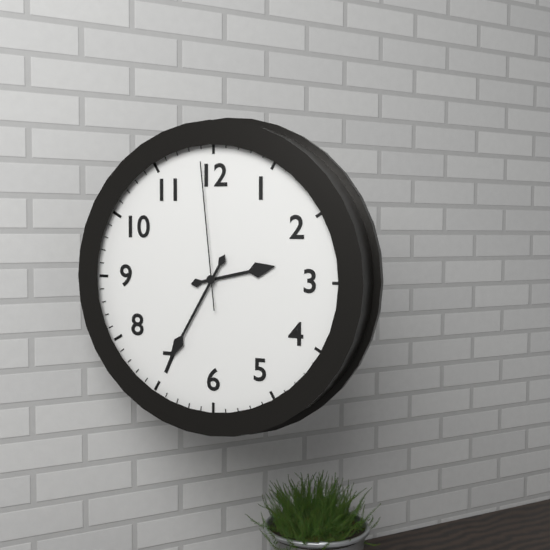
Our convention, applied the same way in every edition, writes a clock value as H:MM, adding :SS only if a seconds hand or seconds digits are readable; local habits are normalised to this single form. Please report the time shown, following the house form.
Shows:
2:35:59
